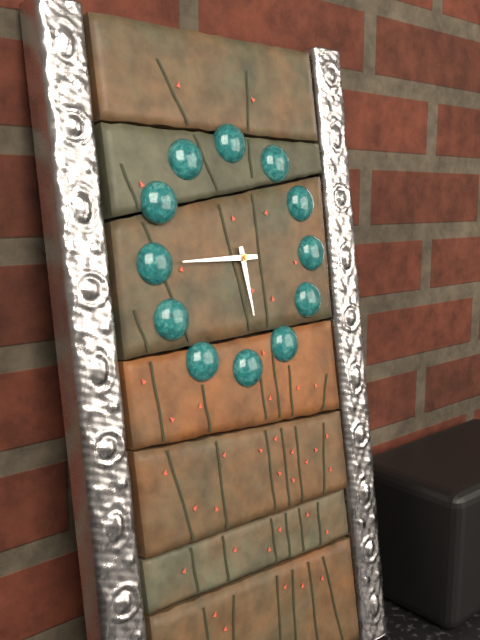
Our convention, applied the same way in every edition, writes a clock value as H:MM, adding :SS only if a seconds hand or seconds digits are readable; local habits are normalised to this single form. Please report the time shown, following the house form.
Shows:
5:45
